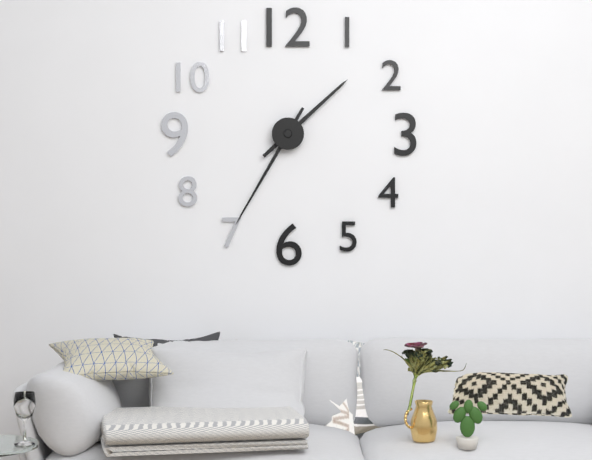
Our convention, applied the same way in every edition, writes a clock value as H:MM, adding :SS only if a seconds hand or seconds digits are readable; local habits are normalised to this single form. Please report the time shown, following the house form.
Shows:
1:35
